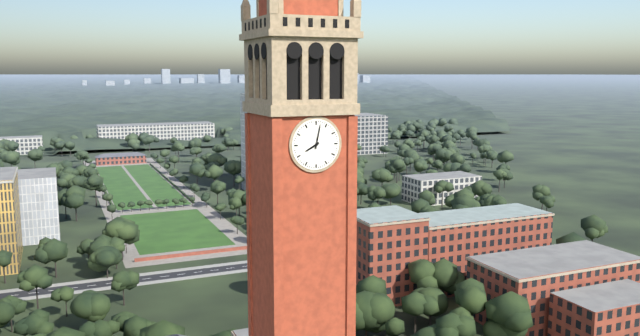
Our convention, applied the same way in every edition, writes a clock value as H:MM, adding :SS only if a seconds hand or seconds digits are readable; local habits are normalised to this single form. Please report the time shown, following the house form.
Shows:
8:02
